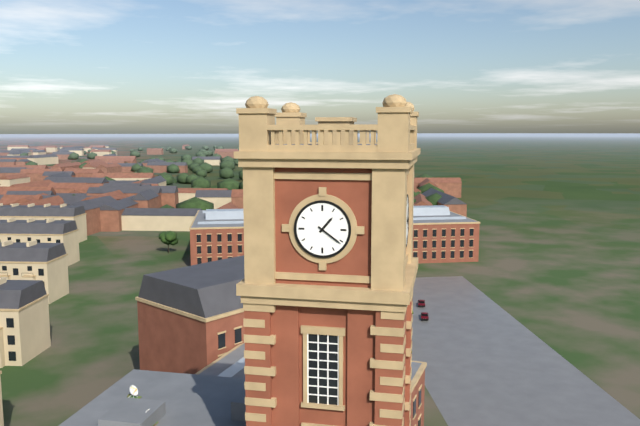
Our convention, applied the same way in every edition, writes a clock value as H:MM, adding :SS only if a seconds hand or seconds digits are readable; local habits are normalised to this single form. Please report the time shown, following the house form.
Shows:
1:21
